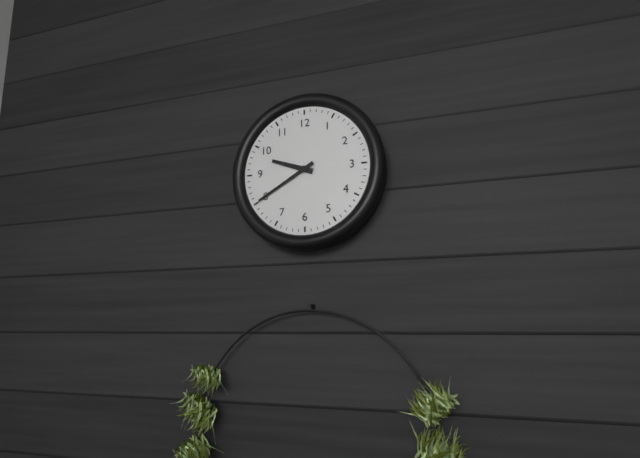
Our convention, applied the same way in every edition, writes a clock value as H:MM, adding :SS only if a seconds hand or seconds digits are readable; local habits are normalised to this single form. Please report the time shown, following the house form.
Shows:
9:40
